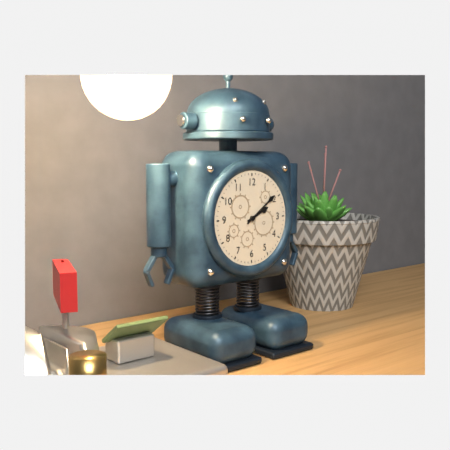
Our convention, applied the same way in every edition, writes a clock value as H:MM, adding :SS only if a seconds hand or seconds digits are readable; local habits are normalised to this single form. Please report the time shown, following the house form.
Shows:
2:09
